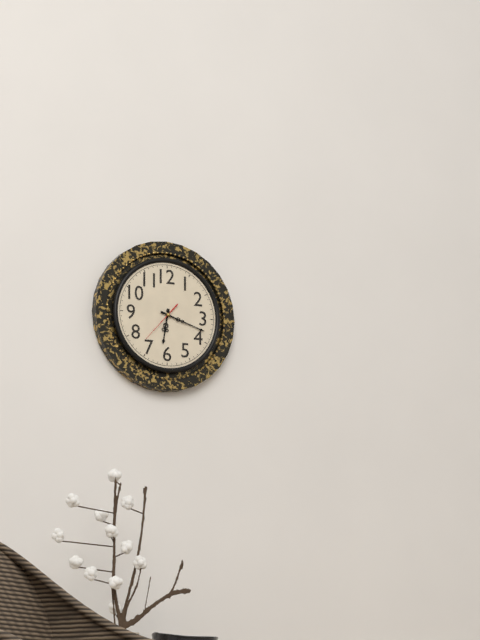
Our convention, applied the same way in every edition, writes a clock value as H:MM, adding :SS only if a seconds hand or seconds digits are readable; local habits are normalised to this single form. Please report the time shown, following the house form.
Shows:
6:18
